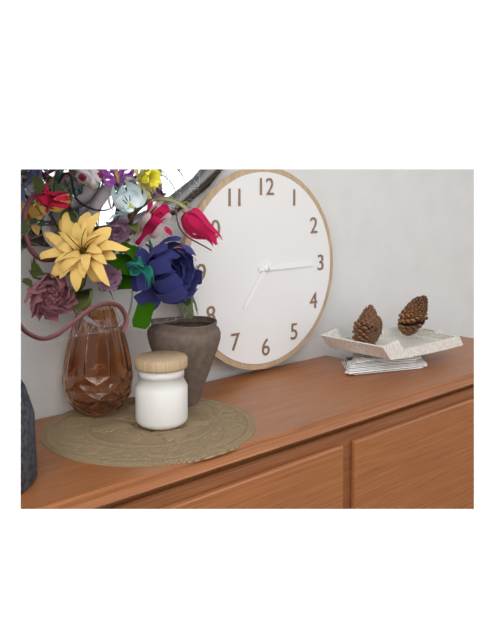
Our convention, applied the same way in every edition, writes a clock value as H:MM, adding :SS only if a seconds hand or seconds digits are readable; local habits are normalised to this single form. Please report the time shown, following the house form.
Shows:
7:15
